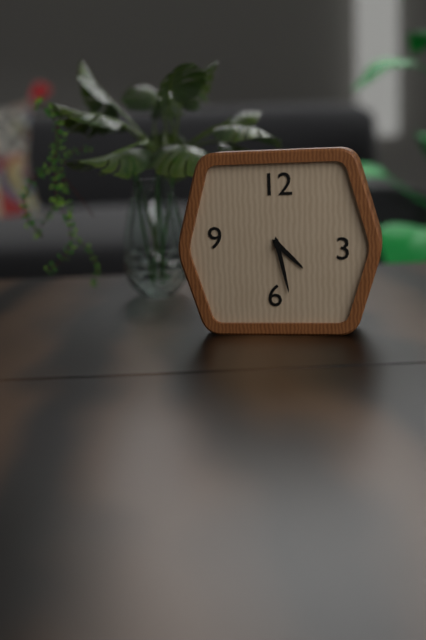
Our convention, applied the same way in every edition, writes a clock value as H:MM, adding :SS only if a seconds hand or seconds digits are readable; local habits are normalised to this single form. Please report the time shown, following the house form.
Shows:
4:28
